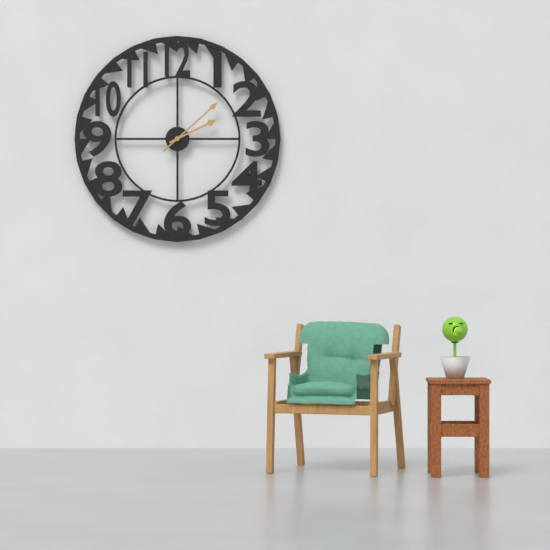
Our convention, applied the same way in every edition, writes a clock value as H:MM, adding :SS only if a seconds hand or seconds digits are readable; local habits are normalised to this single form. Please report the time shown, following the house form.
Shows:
2:08
